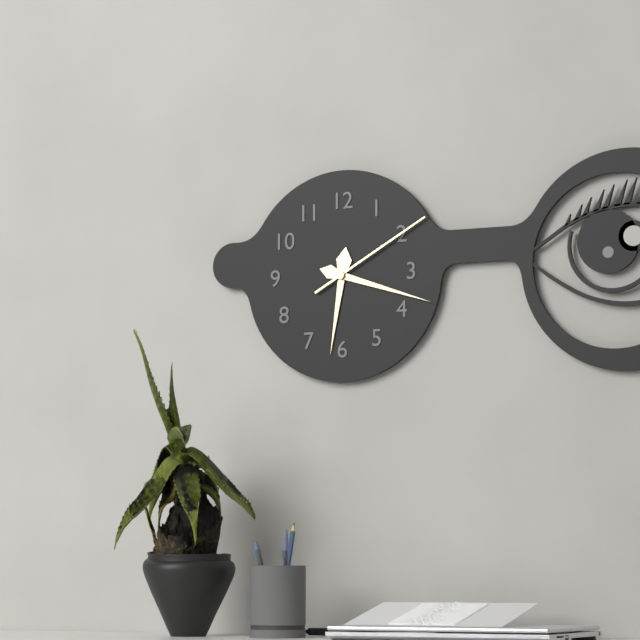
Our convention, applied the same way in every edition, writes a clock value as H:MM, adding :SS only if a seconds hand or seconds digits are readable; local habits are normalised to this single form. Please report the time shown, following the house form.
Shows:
6:18:10
